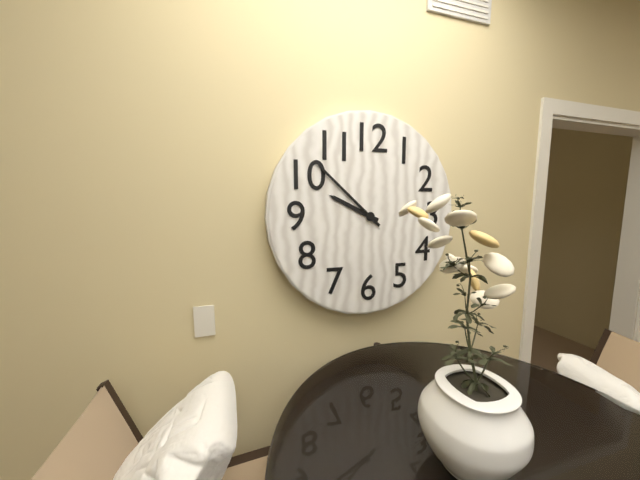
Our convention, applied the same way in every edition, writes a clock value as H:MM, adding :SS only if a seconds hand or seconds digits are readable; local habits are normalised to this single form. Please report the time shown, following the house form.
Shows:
9:52
